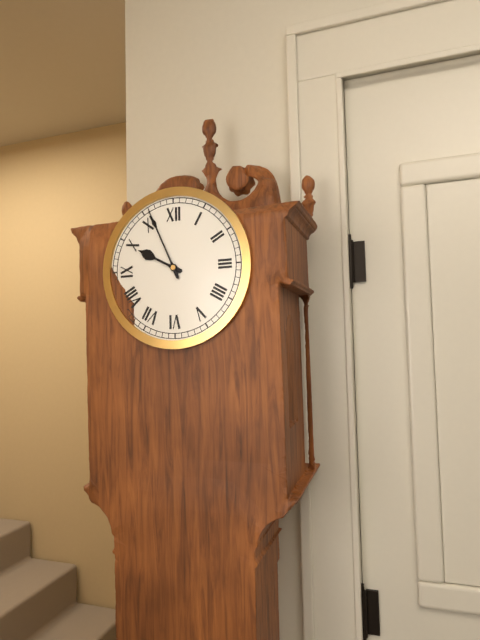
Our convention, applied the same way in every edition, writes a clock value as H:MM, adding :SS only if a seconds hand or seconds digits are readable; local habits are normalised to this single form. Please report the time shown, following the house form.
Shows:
9:56
